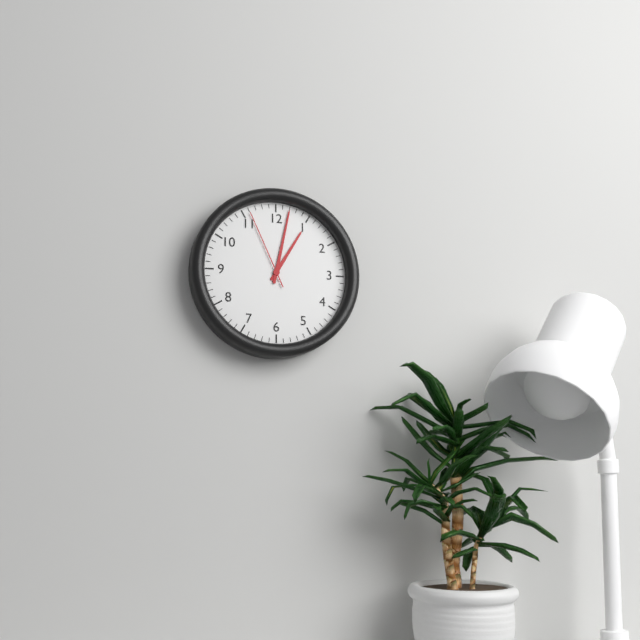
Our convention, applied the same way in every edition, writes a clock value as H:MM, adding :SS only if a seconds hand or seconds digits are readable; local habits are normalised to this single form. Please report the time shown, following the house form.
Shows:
1:02:56
